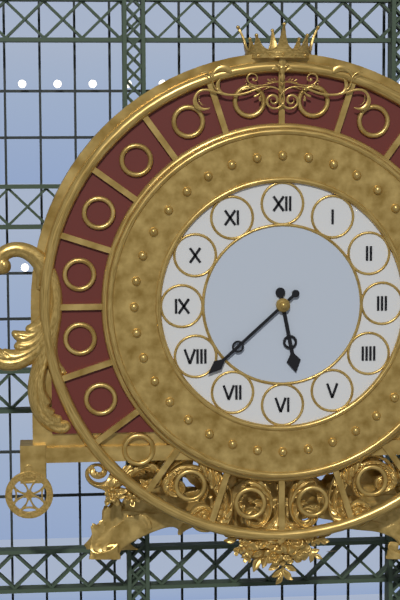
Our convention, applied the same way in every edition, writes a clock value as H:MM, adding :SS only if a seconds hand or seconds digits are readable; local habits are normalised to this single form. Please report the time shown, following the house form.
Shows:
5:38
